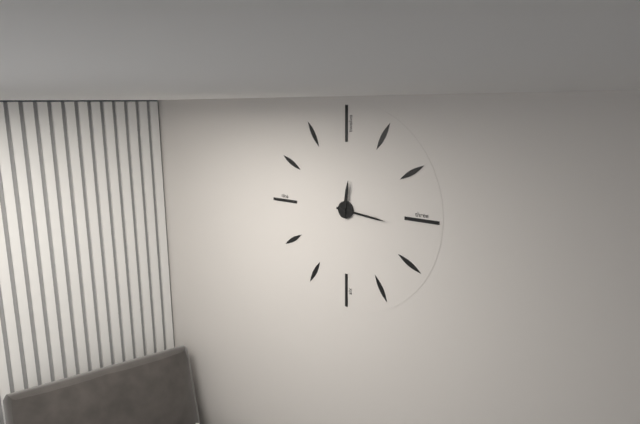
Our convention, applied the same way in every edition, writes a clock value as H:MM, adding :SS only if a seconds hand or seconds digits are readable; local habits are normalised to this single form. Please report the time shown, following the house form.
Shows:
12:16
